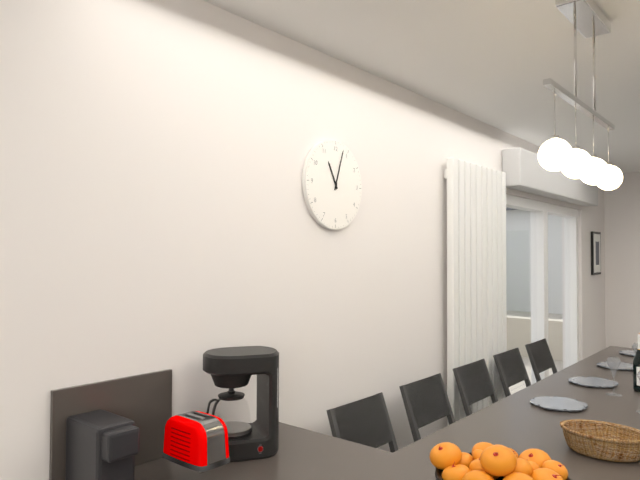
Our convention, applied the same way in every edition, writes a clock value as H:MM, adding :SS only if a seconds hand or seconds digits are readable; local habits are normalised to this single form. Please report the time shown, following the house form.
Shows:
11:03
